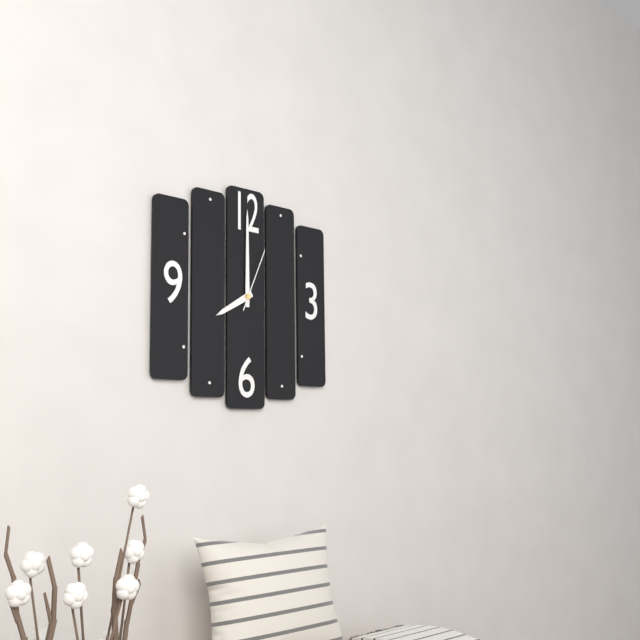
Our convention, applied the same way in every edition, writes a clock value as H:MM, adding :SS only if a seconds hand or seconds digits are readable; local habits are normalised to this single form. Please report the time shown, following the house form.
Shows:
8:00:04
